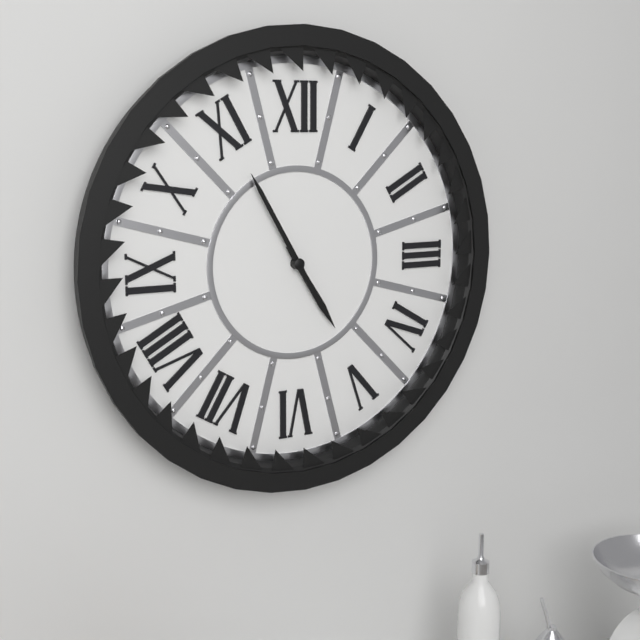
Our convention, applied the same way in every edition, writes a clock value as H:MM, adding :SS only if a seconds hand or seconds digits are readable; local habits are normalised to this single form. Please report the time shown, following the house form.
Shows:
4:55
